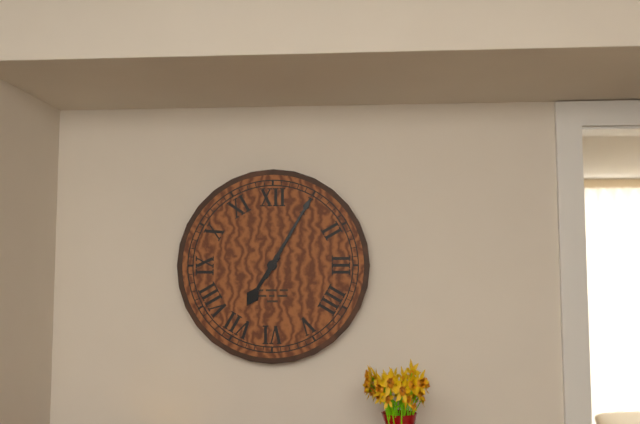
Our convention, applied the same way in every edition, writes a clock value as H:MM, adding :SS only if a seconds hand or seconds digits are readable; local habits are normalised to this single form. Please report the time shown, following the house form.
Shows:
7:05
